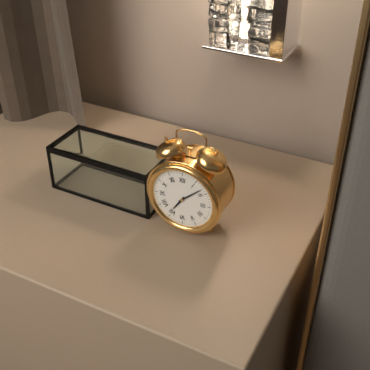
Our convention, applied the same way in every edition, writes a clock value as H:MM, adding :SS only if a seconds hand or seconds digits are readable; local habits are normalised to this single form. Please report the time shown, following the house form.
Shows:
7:08
